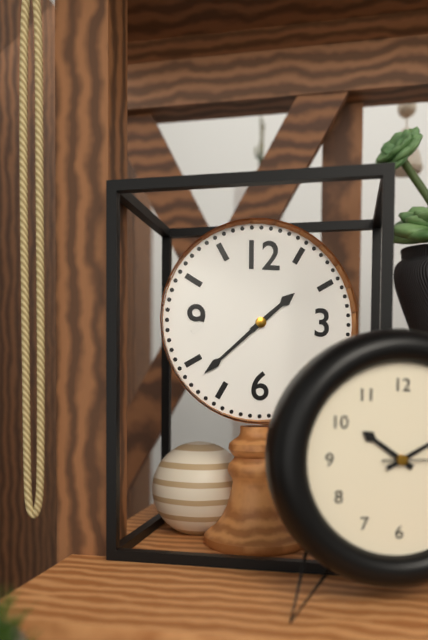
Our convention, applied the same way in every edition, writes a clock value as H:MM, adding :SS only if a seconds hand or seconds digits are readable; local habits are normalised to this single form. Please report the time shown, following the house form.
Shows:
1:38
